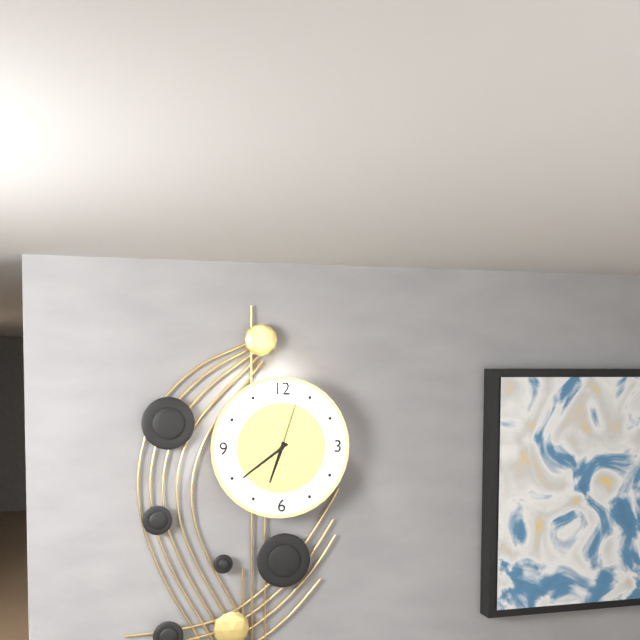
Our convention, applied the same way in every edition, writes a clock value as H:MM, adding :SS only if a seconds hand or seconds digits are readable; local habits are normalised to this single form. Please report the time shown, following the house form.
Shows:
6:39:03
